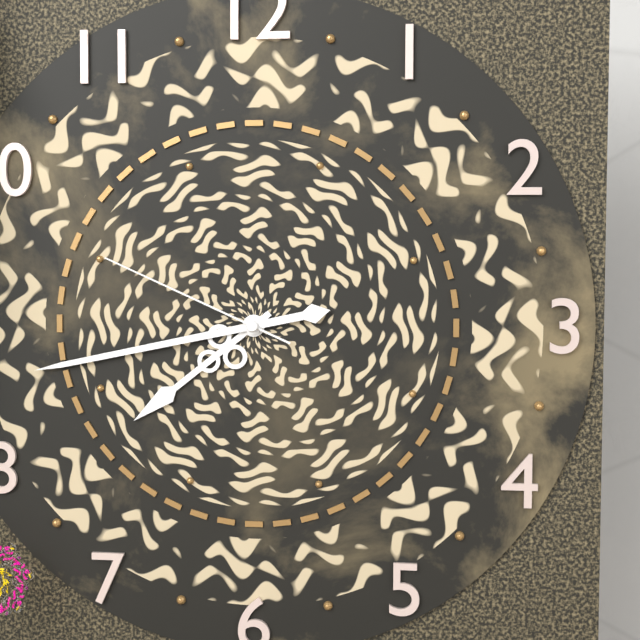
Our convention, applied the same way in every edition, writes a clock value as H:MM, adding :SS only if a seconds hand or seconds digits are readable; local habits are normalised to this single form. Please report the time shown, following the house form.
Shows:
7:43:49
